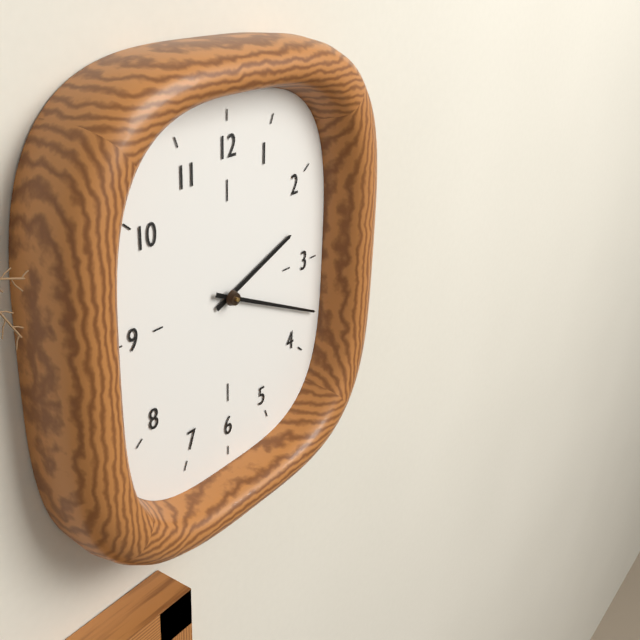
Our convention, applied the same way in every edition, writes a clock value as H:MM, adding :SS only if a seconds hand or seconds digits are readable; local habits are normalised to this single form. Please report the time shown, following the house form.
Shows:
2:19
